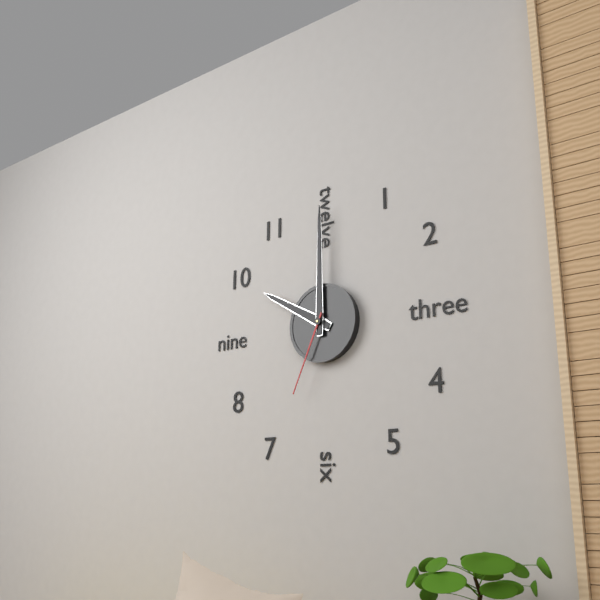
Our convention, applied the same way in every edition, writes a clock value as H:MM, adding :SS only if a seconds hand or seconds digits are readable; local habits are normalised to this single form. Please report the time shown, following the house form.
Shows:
10:00:34
